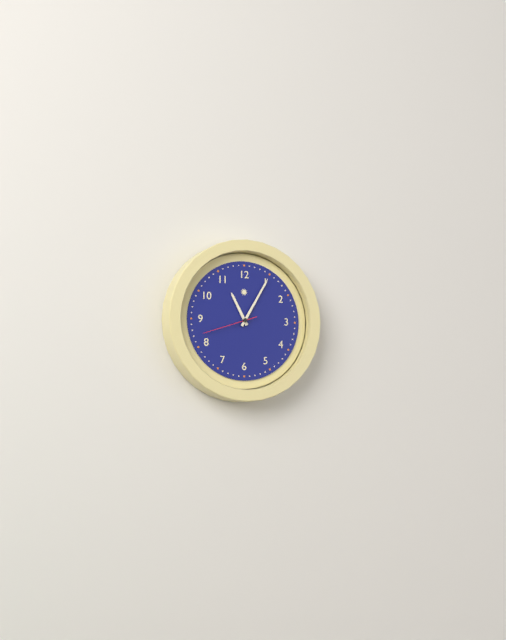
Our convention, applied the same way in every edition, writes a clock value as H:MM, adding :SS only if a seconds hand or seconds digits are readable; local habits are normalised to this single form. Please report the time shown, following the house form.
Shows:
11:05
